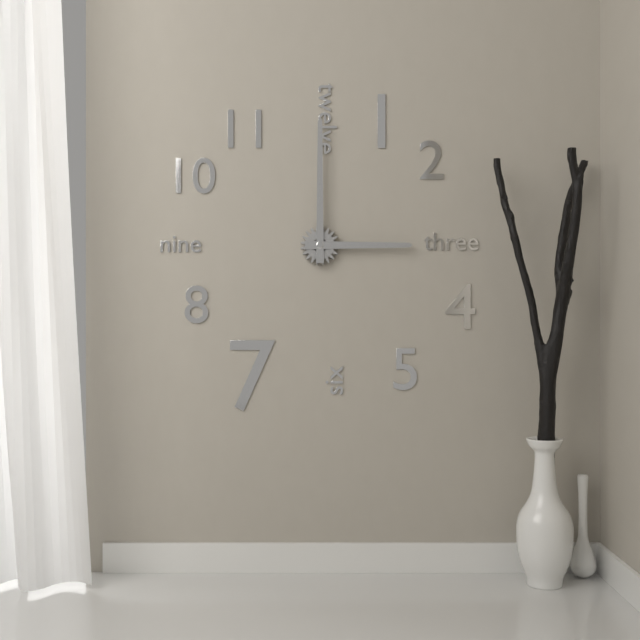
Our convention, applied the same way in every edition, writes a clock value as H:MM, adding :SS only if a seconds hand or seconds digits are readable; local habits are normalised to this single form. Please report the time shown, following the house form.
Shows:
3:00
